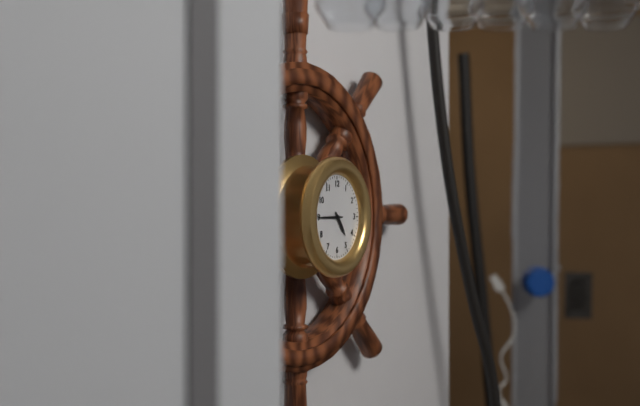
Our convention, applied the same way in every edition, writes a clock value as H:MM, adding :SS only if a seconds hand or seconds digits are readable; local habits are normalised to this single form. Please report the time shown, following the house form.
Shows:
4:45
